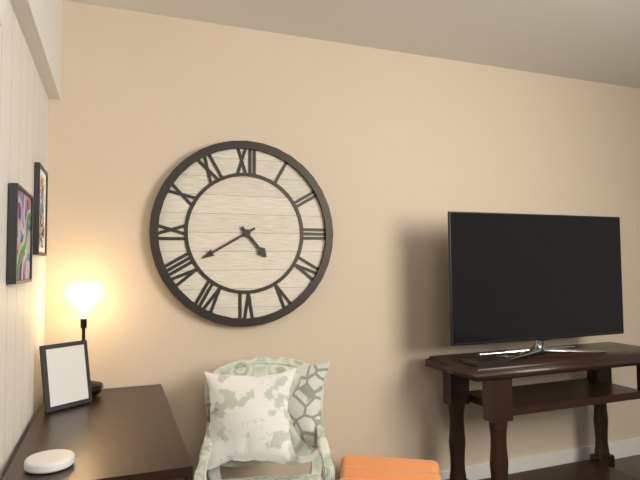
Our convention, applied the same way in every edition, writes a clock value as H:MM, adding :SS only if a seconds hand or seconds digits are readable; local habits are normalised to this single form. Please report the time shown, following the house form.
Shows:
4:40
